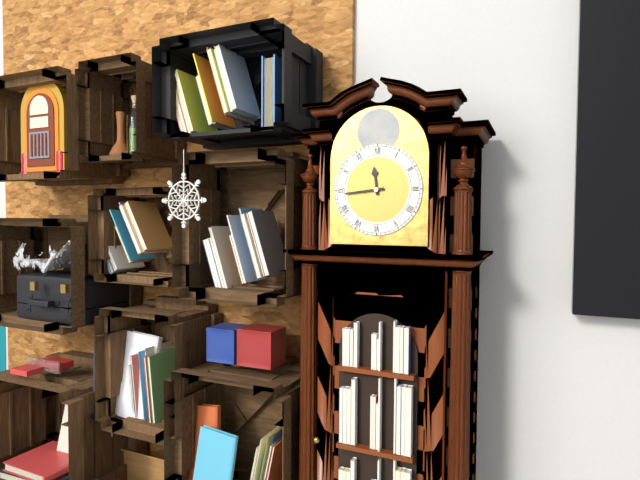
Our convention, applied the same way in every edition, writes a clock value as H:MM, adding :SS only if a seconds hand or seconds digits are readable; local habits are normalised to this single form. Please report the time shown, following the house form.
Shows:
11:44
